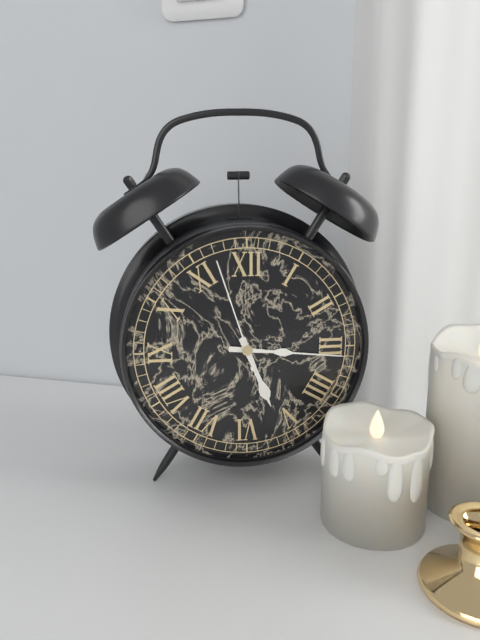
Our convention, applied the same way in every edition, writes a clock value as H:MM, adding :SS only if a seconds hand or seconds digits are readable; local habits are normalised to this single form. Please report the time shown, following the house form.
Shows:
5:16:57
